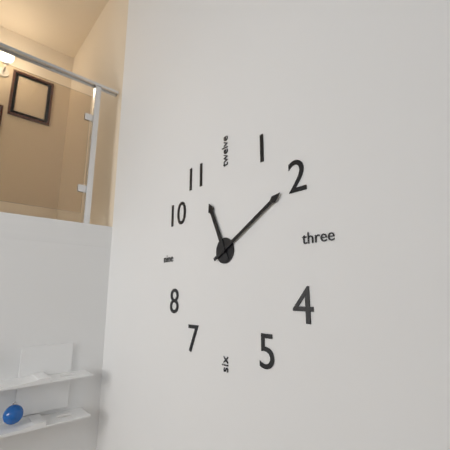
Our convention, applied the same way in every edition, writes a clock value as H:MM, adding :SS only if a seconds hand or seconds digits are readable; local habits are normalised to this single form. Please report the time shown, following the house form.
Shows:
11:10
